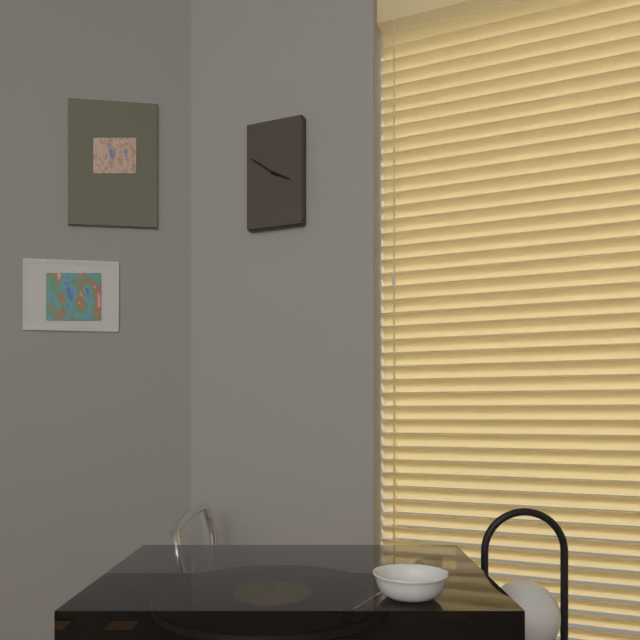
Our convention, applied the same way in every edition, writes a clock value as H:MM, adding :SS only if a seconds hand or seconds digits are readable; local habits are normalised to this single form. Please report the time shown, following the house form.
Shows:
3:51
